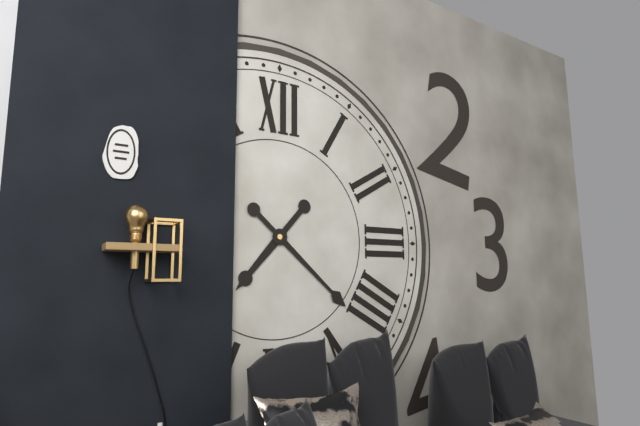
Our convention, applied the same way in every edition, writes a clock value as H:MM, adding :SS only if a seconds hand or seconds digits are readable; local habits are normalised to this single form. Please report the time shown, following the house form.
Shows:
7:22
